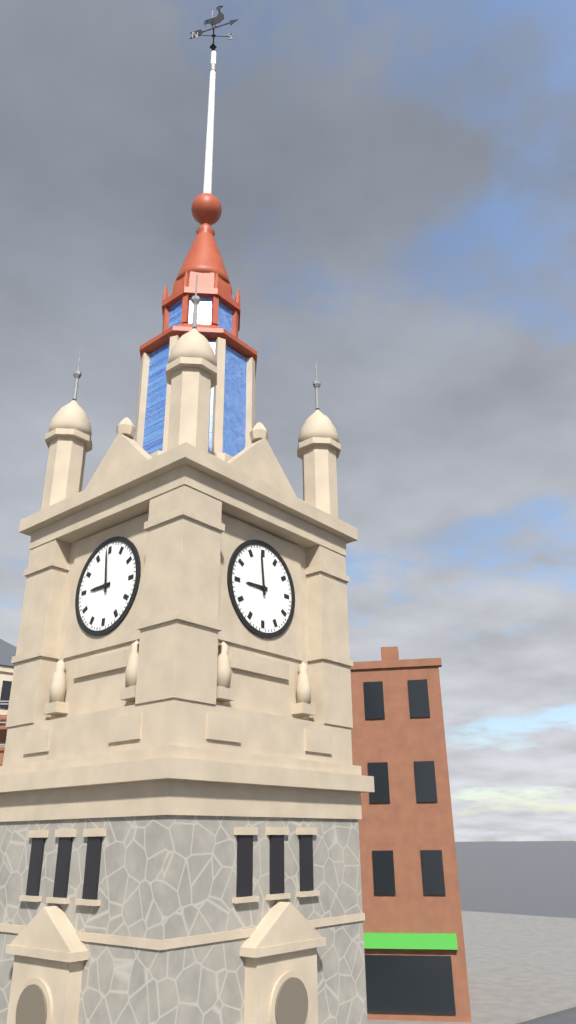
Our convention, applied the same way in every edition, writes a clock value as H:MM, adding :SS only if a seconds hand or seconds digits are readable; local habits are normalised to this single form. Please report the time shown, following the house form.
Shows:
8:59
